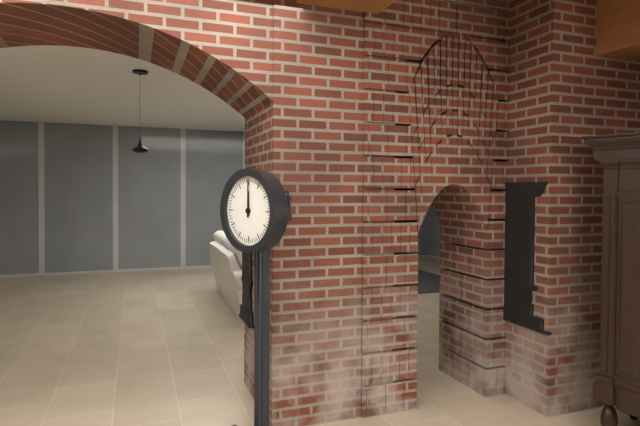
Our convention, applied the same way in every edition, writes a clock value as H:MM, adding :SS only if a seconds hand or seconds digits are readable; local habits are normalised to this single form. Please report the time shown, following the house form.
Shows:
12:00
